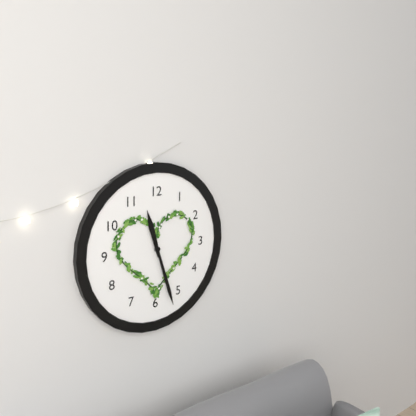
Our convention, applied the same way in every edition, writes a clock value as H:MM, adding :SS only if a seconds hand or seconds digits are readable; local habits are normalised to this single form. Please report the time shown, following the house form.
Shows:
11:27
